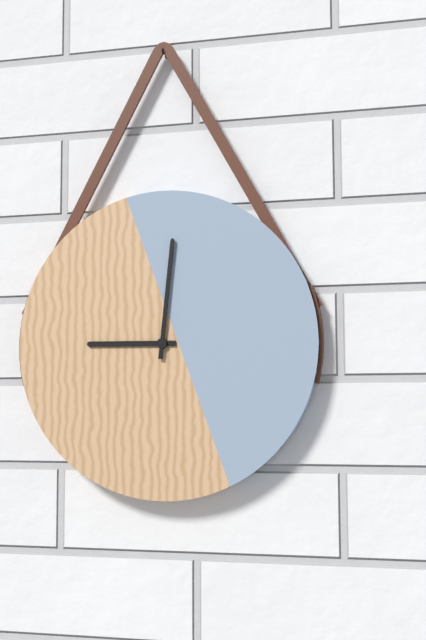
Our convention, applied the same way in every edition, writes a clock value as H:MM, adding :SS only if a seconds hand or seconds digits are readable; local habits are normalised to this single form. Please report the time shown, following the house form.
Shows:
9:01
